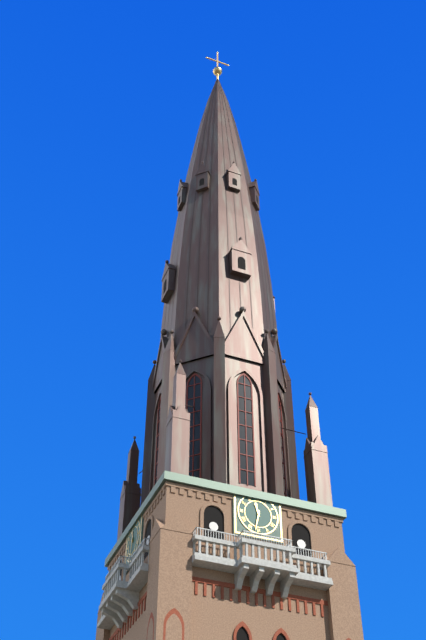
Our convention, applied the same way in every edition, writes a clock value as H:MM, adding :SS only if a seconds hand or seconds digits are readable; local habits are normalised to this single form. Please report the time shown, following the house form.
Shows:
11:32
